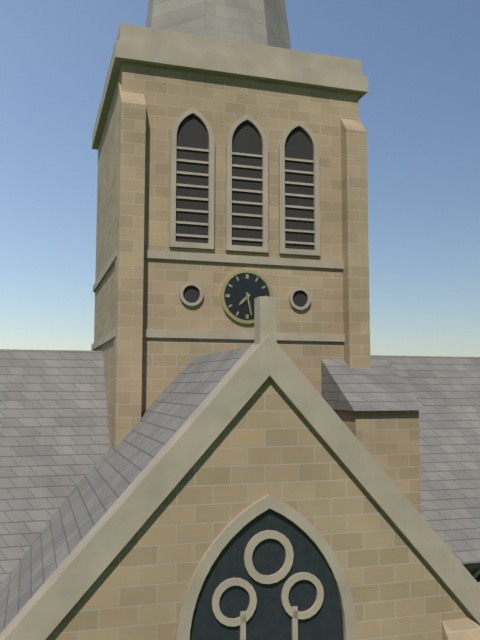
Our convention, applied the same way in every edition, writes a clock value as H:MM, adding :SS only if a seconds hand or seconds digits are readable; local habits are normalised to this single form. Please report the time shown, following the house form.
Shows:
7:28
